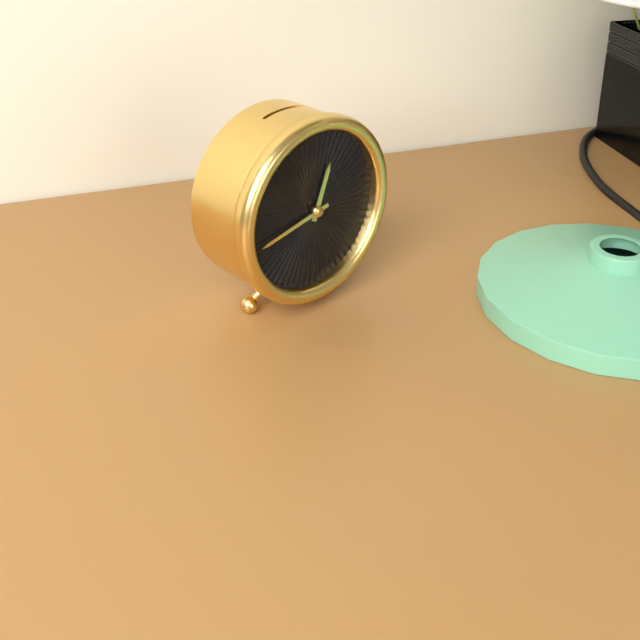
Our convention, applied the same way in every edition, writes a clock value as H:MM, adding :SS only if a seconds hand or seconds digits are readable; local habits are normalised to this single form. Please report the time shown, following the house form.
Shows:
12:43
